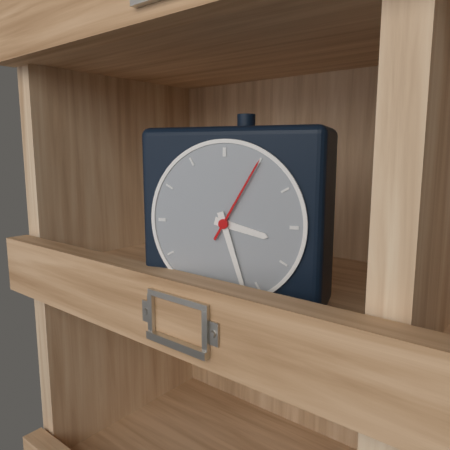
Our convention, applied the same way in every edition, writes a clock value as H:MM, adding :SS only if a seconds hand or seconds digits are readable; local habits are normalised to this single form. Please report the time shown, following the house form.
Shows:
3:27:05
